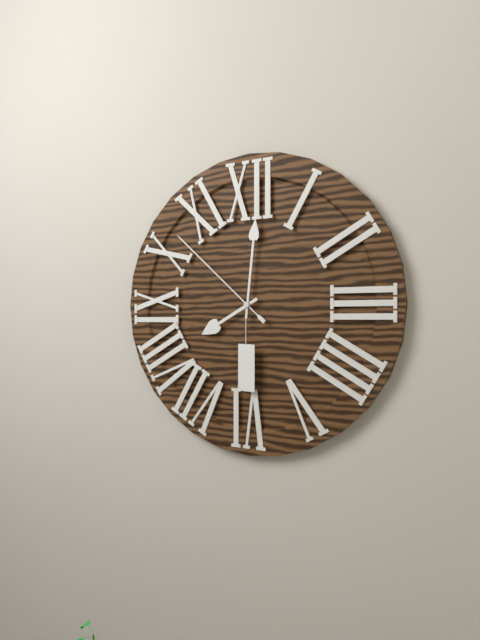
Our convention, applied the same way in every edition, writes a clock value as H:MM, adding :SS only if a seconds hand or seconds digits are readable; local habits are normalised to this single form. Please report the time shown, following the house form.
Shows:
8:01:52
